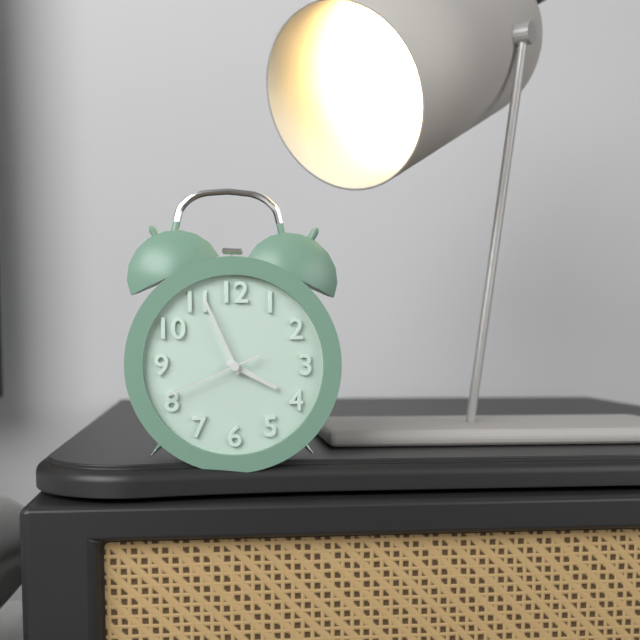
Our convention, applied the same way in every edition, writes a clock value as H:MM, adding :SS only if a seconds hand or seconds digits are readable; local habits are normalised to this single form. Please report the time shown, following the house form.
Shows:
3:56:41
